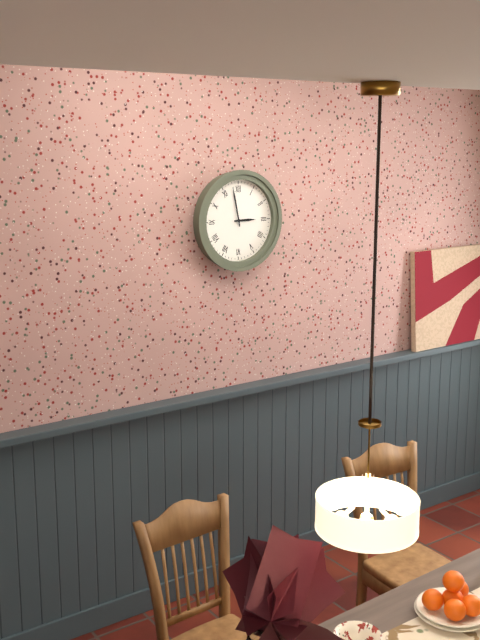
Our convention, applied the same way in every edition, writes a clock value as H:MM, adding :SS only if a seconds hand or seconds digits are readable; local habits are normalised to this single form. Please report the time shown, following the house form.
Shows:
2:58
